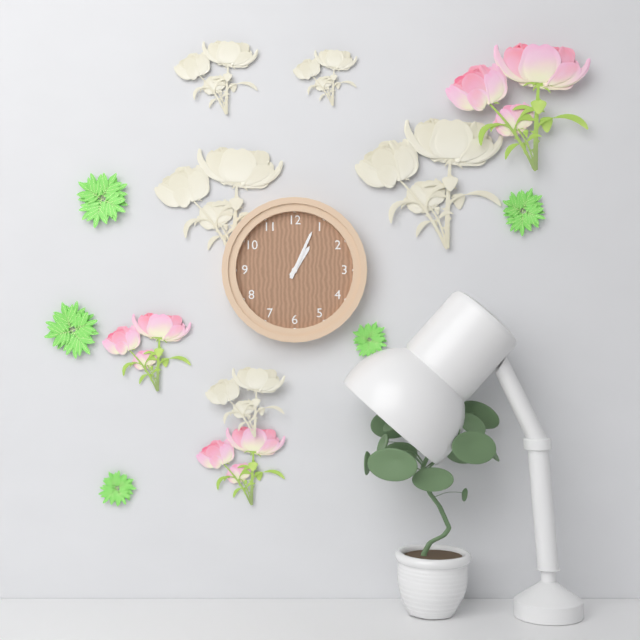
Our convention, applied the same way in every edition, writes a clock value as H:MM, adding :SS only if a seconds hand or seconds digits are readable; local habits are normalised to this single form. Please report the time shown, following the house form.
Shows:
1:04
